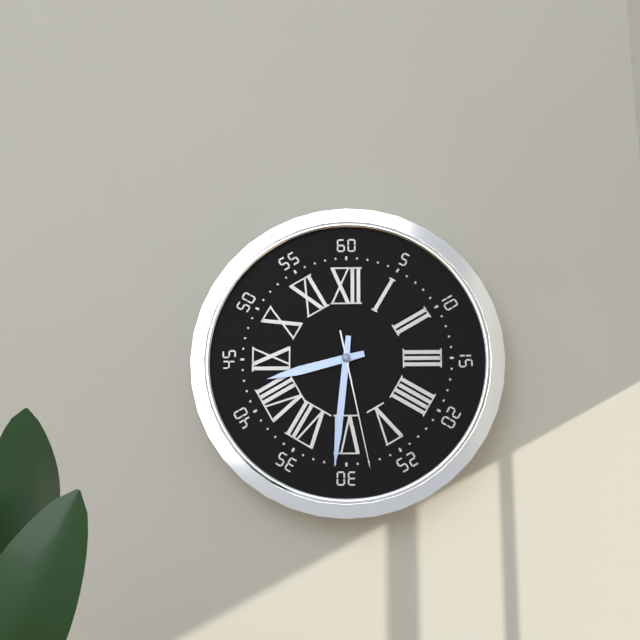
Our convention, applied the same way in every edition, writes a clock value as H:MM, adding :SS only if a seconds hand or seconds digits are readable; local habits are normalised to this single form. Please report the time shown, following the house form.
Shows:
8:31:28
